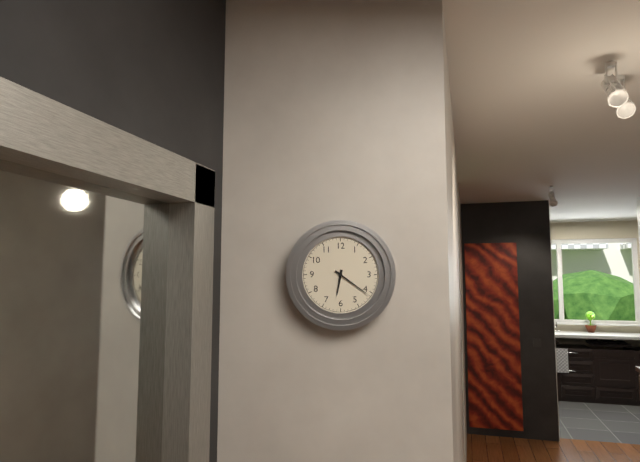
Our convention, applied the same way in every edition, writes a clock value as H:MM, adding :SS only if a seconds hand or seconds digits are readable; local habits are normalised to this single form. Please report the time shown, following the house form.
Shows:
6:21
